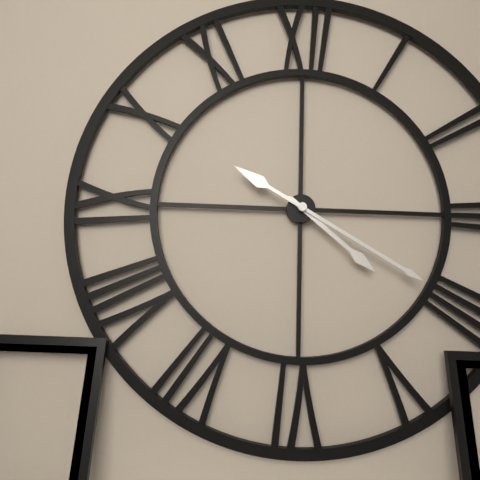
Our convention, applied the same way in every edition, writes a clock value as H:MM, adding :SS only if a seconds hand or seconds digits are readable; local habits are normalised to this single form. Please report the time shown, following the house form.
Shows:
4:20
